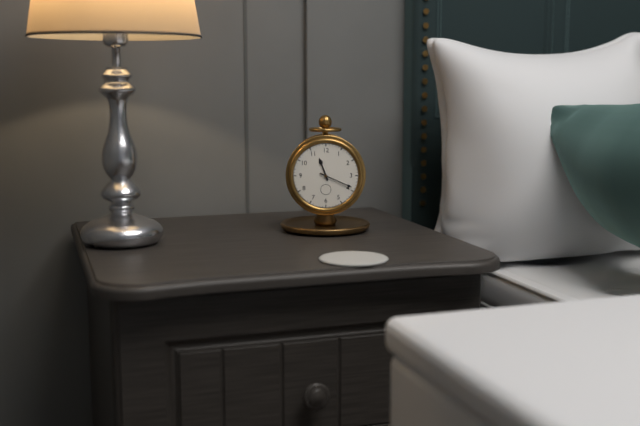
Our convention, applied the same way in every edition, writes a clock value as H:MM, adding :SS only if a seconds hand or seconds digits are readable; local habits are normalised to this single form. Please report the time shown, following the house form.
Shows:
11:19
